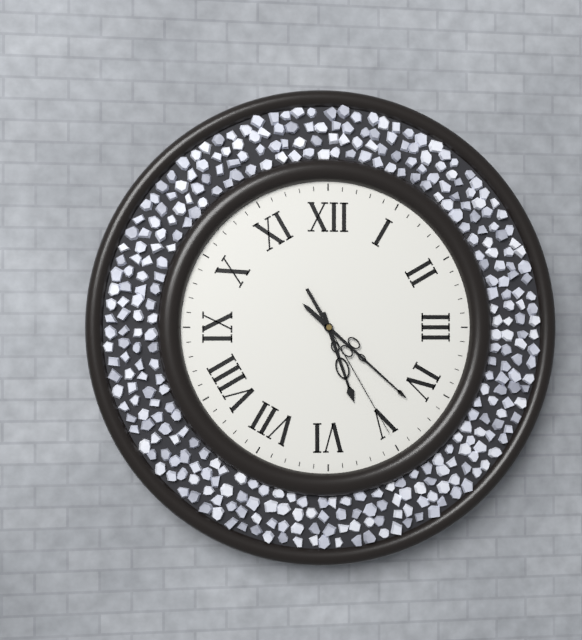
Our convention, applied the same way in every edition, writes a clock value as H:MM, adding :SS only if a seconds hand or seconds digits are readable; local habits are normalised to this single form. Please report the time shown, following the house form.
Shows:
5:22:25
